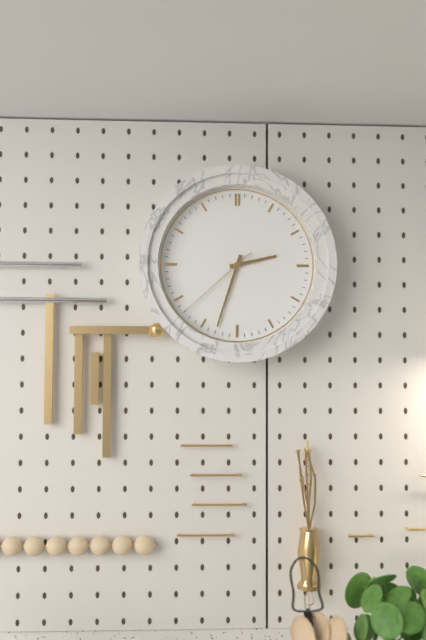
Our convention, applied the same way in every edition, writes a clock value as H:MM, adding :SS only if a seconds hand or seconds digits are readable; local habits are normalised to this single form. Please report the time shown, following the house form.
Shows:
2:33:38
